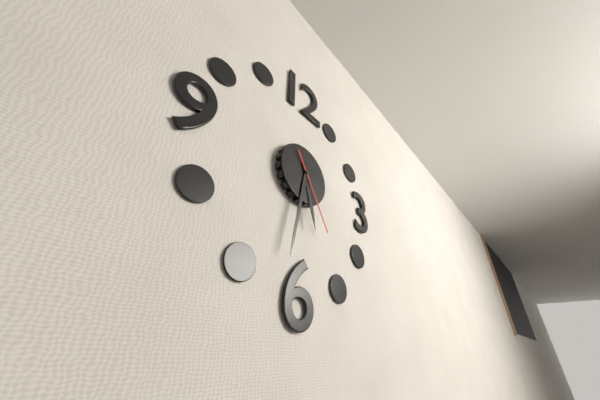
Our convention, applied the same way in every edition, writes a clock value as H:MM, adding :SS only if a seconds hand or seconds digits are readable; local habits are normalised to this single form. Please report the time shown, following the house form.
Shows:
5:32:25
